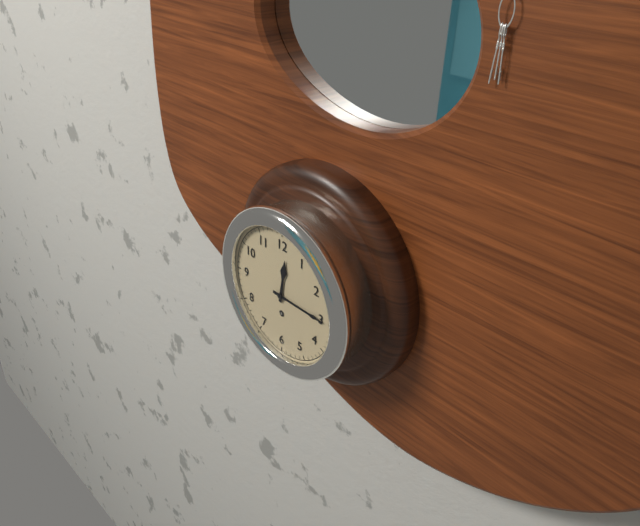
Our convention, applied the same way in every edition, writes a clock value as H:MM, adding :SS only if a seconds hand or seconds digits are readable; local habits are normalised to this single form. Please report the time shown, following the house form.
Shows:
12:15
